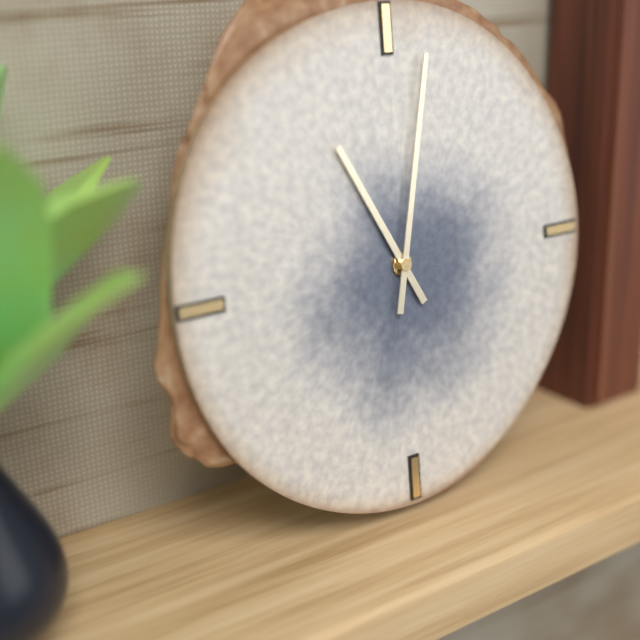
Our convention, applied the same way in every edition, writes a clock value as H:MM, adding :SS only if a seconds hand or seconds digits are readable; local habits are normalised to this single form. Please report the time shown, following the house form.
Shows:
11:02
